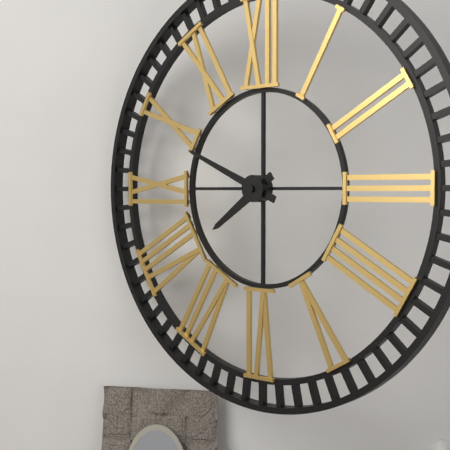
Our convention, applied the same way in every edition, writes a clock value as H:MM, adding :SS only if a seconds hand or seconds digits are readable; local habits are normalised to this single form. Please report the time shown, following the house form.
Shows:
7:49
